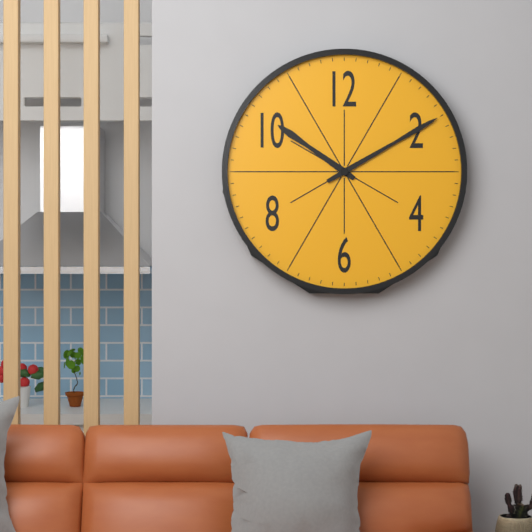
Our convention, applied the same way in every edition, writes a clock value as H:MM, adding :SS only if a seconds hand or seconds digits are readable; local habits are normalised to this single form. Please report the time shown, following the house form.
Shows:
10:10
